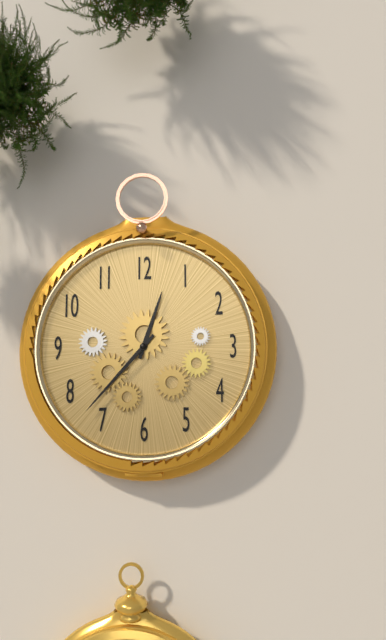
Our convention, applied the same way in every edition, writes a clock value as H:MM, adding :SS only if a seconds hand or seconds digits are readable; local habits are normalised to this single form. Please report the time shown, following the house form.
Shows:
12:37
